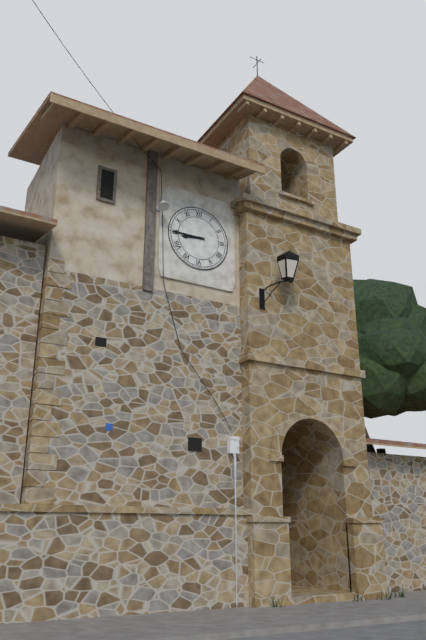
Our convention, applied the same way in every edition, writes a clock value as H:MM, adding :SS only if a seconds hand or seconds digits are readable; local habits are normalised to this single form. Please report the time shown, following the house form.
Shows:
8:45
